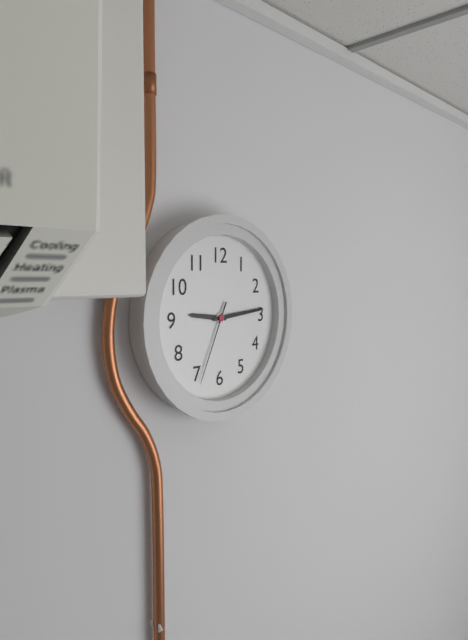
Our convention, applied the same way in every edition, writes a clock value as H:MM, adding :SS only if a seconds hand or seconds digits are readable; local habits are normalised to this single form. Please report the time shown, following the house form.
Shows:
9:14:34
